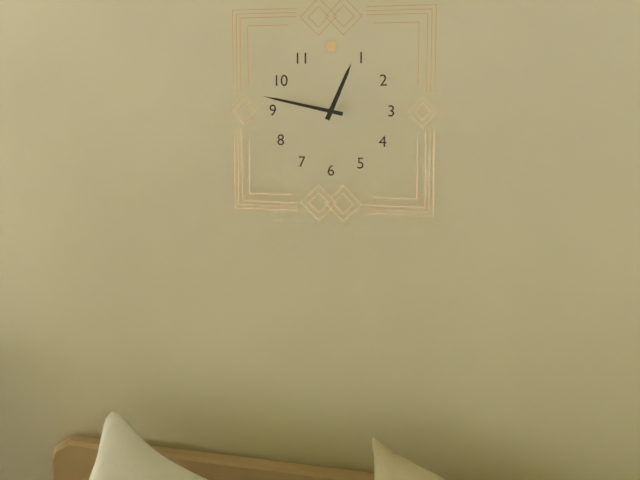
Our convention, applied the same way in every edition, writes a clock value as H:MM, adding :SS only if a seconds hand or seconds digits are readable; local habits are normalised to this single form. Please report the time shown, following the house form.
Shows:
12:47
